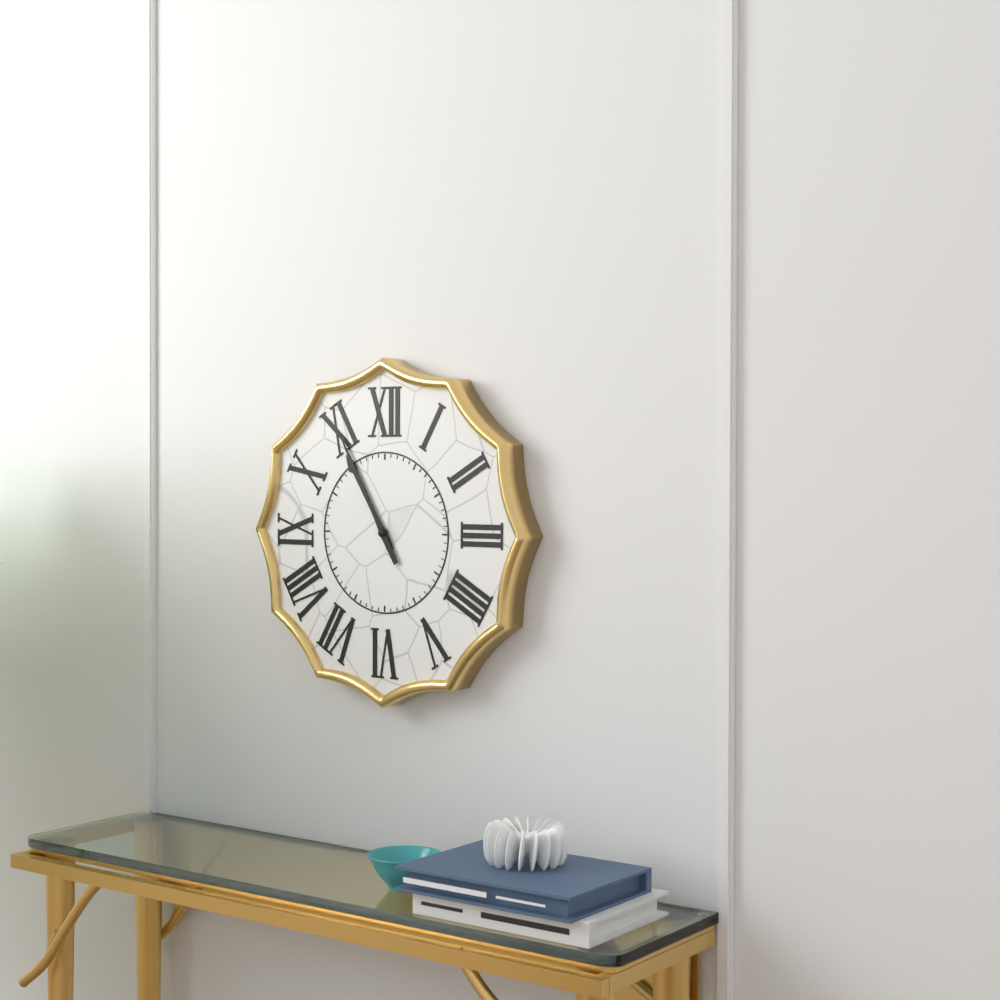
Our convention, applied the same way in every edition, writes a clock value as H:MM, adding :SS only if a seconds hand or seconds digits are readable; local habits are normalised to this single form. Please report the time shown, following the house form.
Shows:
10:55
